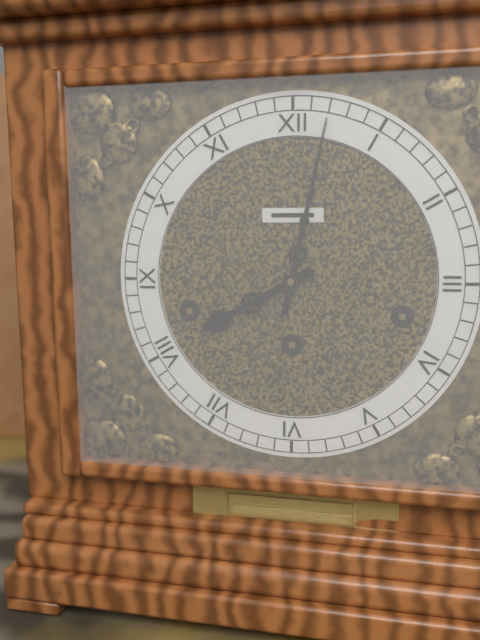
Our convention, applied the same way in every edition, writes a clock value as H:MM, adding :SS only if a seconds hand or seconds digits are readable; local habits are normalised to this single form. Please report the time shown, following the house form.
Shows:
8:02
